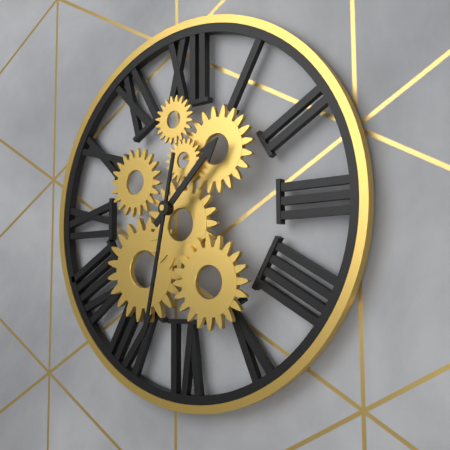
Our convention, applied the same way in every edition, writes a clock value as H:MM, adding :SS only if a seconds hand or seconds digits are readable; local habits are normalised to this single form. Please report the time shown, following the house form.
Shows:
1:32
